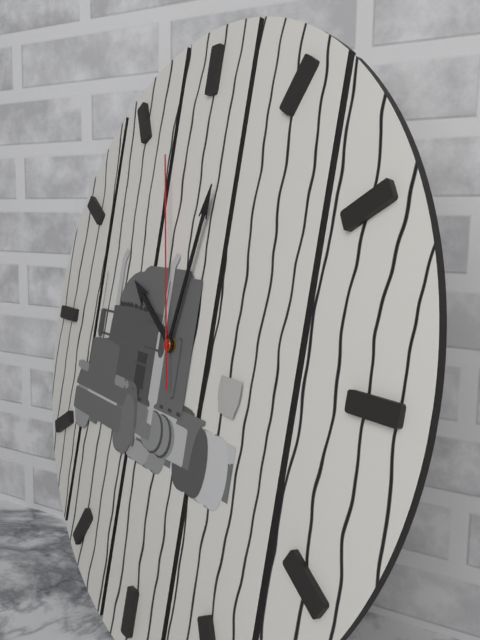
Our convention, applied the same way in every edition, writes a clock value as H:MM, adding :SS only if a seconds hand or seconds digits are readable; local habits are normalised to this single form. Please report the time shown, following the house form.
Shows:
10:02:57
